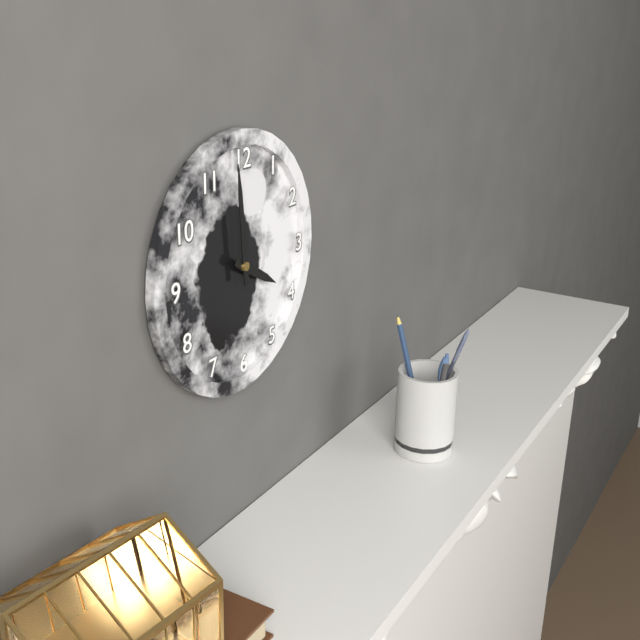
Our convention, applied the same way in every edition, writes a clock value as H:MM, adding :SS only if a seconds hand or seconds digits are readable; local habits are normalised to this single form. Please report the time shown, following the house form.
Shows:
3:59
